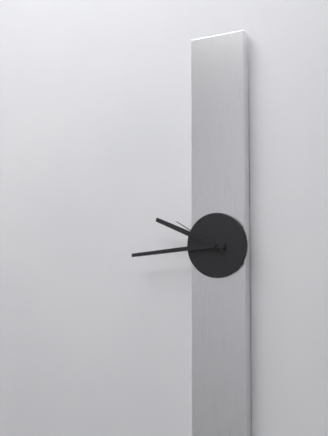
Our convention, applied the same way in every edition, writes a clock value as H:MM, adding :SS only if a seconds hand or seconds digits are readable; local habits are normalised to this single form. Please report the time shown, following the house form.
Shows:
9:44:50
